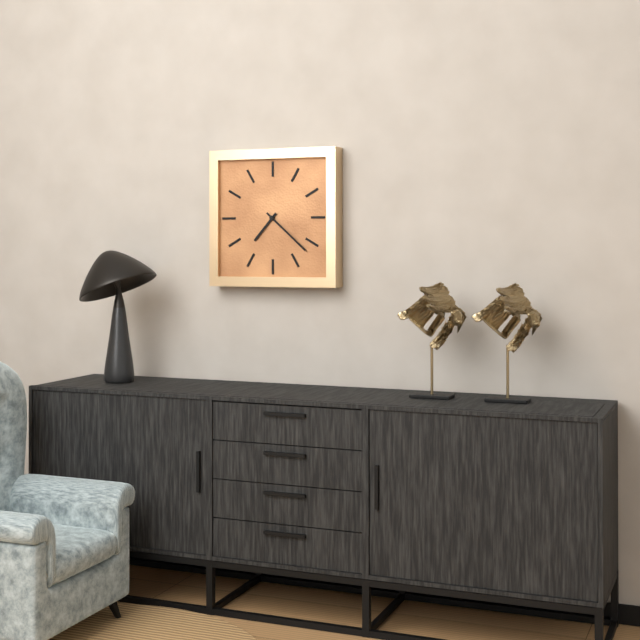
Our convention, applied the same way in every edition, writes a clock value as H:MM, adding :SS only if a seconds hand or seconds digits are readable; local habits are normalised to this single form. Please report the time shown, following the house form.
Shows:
7:22
